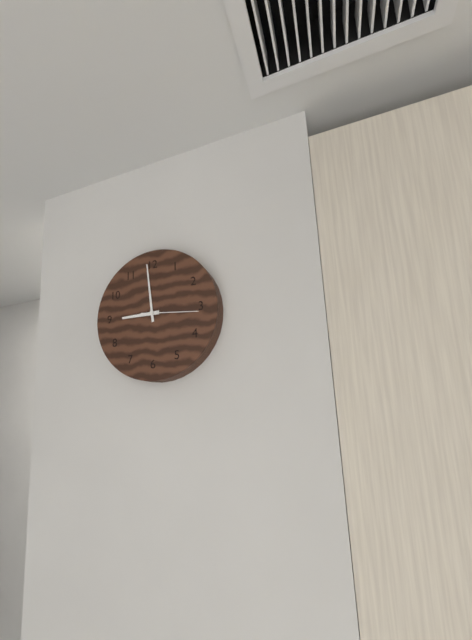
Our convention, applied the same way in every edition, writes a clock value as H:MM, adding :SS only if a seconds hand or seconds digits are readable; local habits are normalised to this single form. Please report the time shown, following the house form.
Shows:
8:59:16
